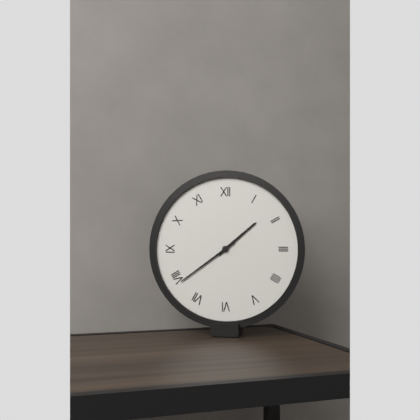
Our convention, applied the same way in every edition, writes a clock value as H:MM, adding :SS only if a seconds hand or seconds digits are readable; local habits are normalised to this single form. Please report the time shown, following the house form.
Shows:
1:39
